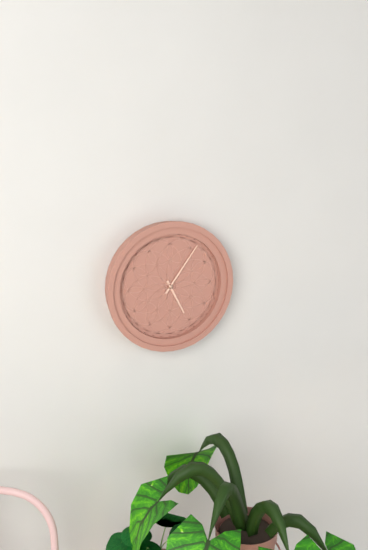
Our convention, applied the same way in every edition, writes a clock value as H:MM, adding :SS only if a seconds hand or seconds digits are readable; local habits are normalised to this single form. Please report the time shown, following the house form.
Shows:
5:06
